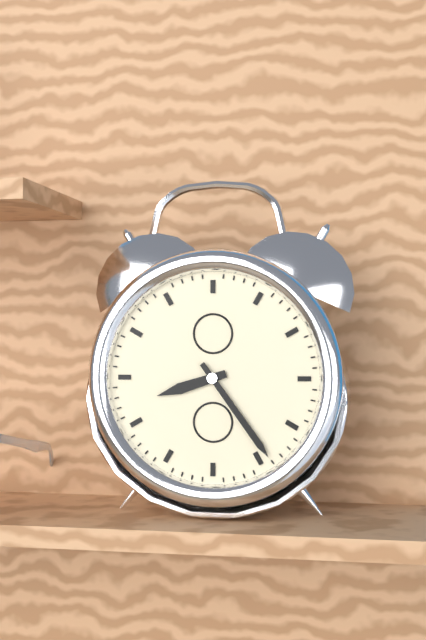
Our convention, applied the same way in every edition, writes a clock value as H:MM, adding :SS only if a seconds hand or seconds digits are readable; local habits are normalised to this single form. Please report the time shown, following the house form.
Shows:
8:24
